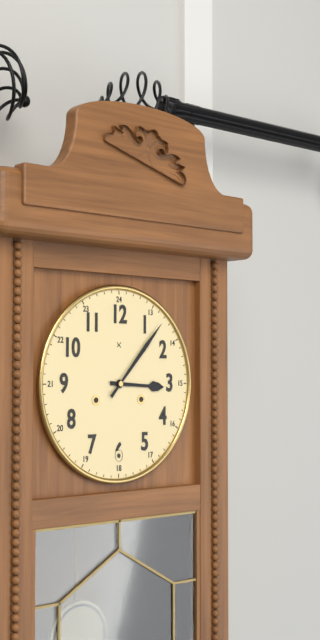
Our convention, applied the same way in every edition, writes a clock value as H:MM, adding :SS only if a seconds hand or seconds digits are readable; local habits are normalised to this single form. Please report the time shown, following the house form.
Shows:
3:07
